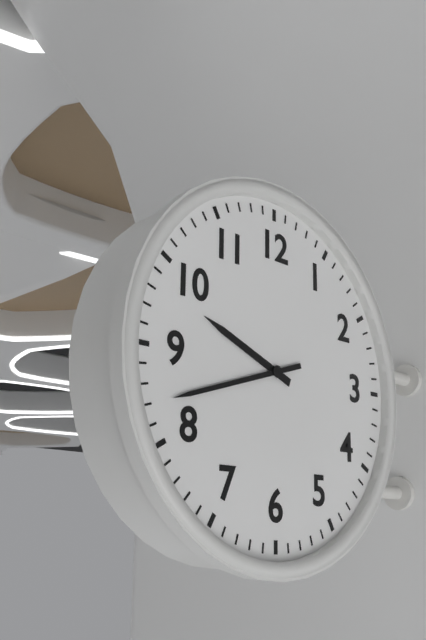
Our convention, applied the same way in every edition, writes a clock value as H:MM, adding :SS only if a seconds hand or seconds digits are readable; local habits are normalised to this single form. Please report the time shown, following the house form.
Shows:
9:42
